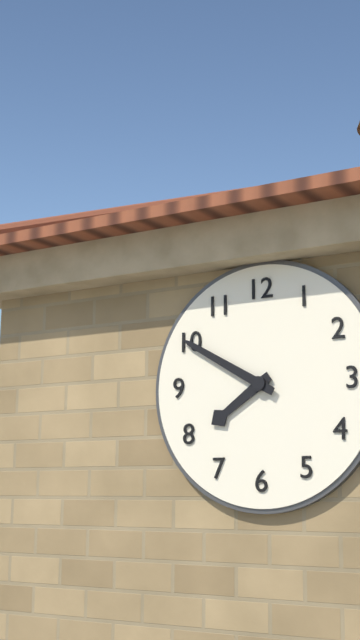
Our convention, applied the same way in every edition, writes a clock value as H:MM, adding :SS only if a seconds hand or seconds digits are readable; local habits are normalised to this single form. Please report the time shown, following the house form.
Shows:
7:50
